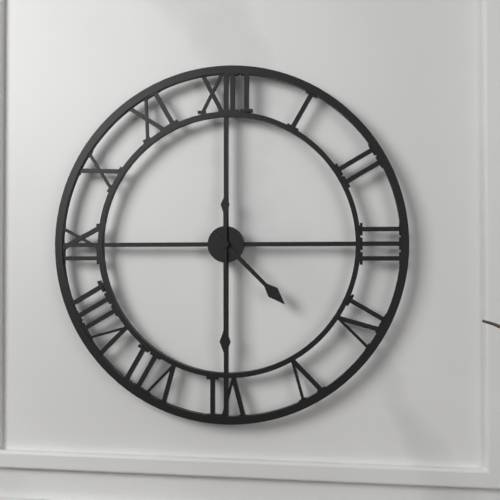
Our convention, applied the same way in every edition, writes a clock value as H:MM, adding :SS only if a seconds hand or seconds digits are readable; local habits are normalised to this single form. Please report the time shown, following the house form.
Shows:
4:30
